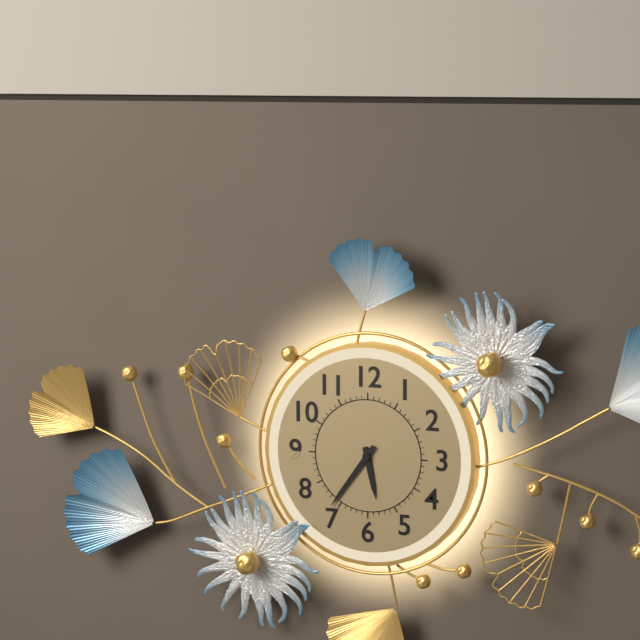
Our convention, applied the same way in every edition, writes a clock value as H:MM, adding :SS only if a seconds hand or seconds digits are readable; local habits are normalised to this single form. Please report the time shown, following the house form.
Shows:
5:36
